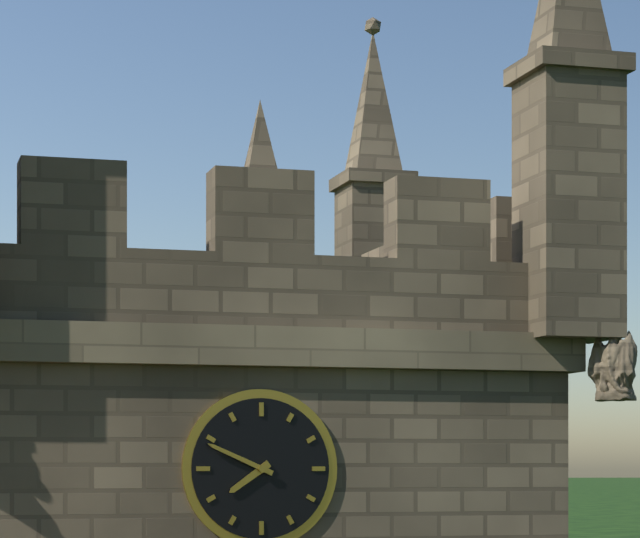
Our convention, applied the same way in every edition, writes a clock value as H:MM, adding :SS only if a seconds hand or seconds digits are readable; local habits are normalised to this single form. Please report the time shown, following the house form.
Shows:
7:49
